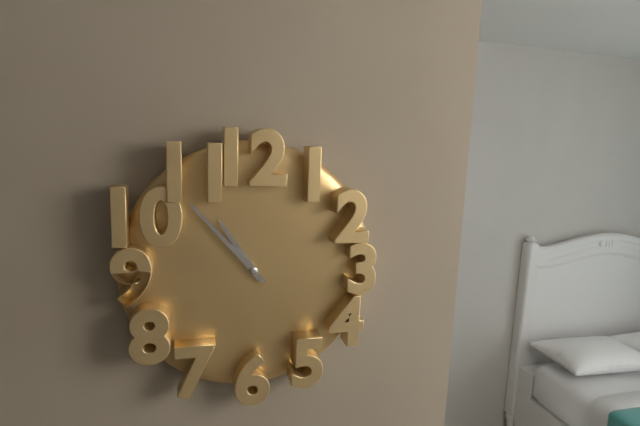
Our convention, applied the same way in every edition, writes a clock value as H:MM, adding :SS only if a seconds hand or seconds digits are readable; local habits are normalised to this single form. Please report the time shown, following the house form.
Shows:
10:53
